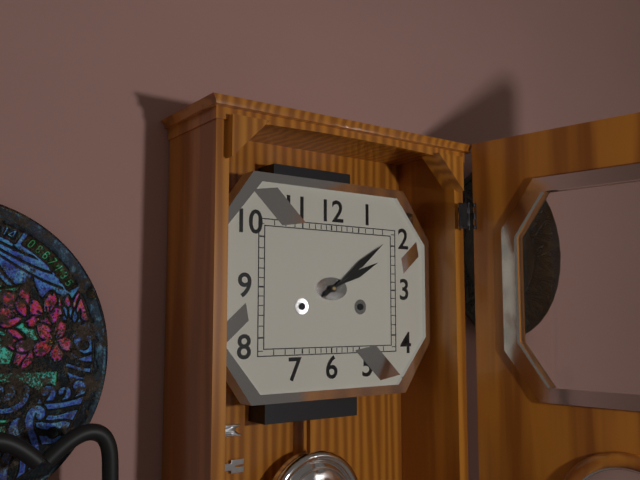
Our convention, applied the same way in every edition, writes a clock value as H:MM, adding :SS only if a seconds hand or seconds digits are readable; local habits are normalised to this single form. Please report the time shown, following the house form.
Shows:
2:09
